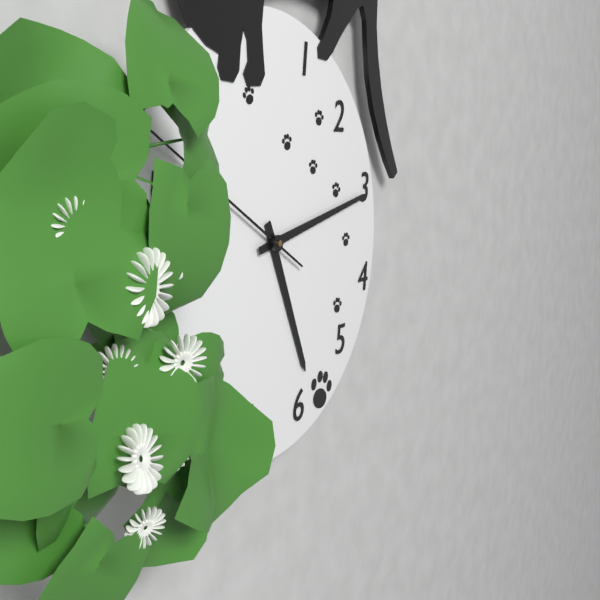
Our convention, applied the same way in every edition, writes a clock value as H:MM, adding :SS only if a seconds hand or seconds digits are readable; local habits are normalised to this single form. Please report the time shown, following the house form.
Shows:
5:13
